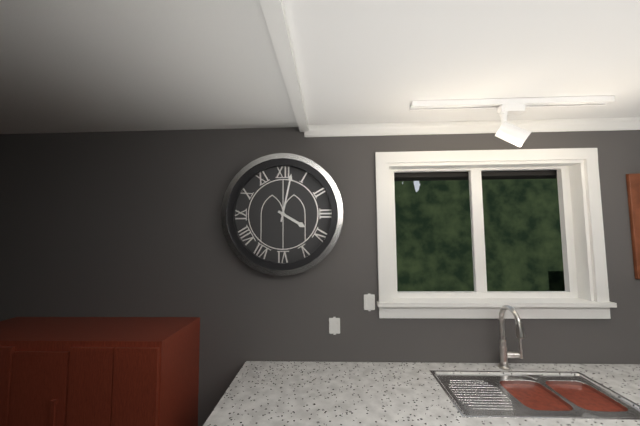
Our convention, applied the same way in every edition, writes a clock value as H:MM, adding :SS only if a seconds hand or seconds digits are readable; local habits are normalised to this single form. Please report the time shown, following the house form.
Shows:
4:02
